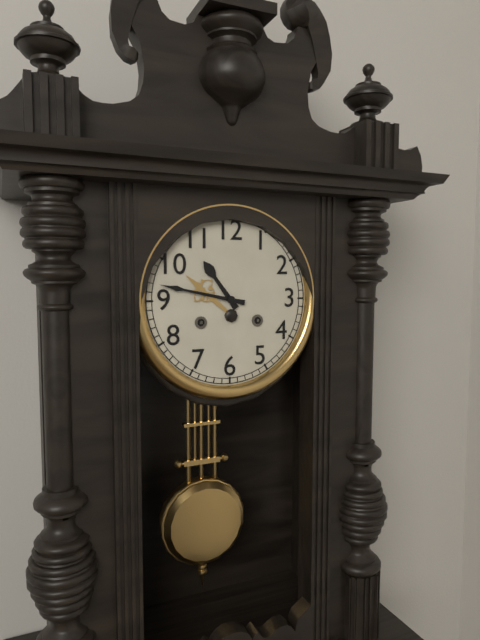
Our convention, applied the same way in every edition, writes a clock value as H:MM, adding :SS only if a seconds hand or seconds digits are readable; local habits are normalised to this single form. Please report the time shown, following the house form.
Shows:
10:47
